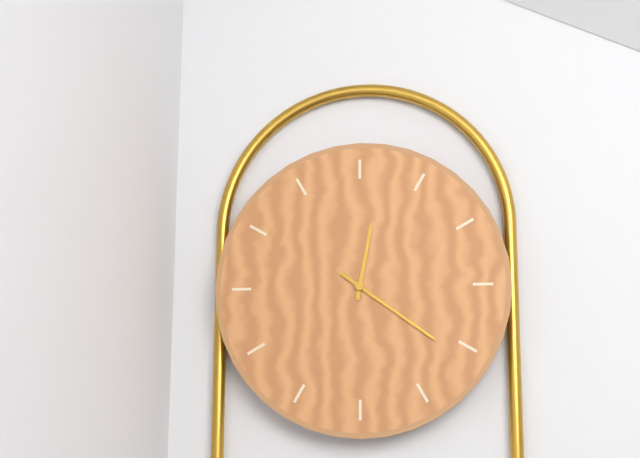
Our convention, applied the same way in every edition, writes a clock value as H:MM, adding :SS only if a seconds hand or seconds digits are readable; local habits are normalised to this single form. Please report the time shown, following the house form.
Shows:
12:21
